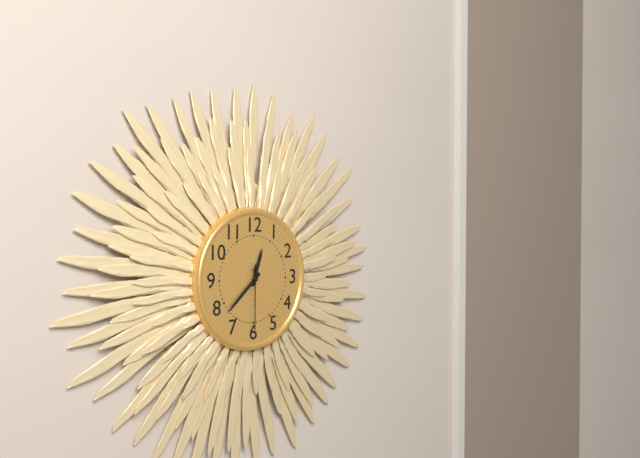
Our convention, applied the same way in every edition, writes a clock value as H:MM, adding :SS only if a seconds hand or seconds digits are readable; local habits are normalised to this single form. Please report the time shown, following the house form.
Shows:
12:38:30
